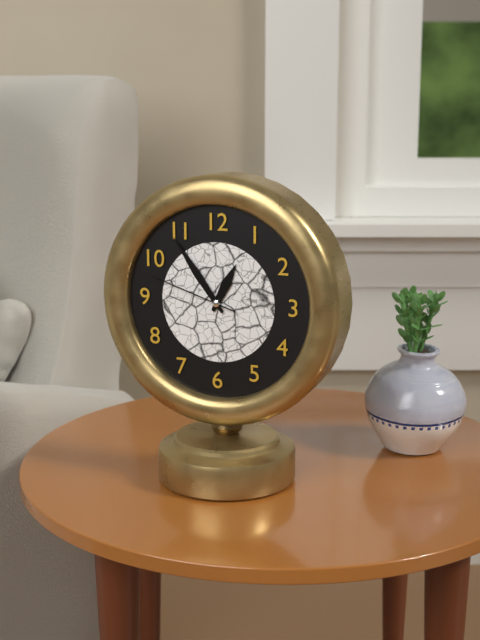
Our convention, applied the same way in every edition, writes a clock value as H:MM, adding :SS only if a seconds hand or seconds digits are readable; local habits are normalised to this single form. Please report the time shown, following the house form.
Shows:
12:54:48
